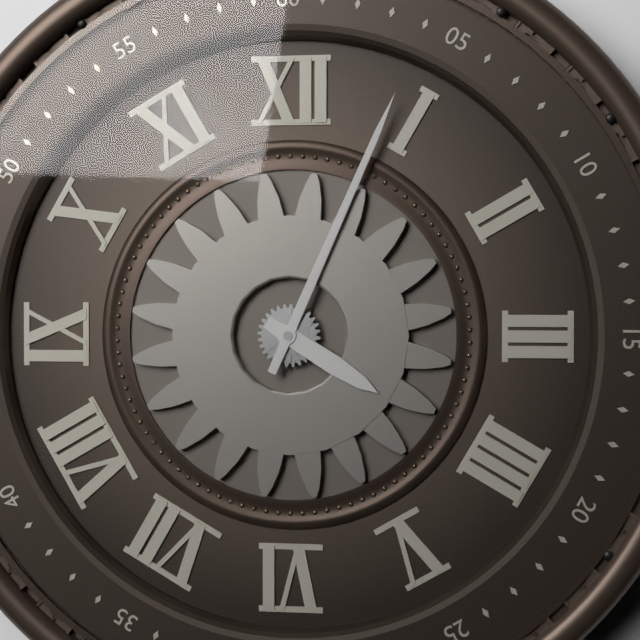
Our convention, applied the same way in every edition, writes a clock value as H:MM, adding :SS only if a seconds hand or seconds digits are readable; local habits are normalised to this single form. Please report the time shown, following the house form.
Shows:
4:04
